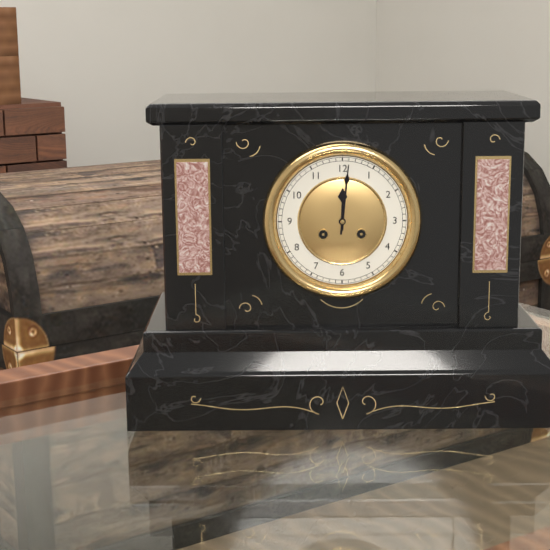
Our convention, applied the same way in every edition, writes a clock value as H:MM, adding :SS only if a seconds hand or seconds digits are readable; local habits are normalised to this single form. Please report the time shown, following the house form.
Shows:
12:01
